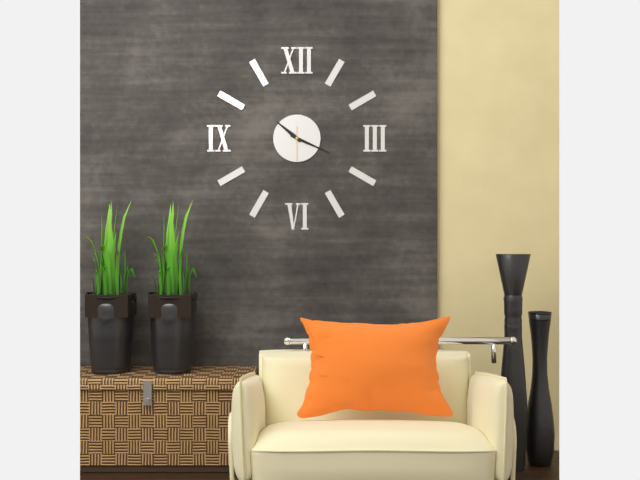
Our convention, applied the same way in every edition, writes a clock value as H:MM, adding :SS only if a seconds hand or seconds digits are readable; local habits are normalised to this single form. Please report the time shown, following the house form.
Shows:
10:19
